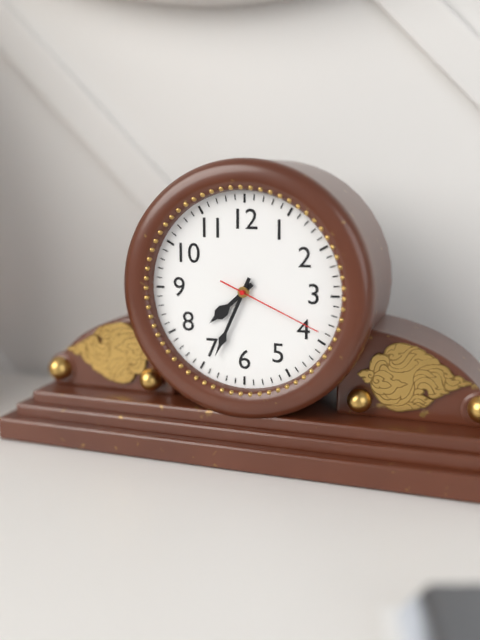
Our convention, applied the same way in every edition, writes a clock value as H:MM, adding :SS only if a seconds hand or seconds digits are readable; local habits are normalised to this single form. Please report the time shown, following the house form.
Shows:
7:34:19
